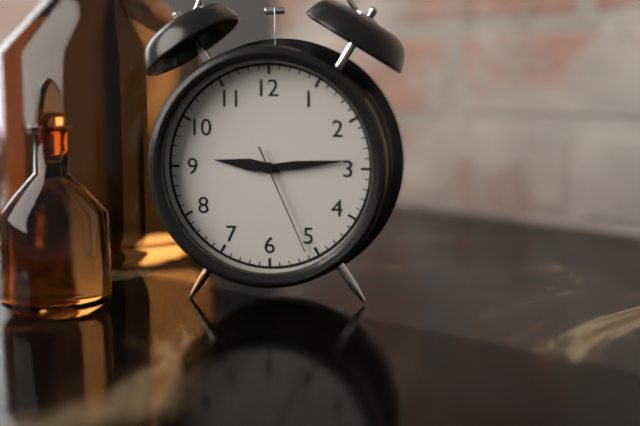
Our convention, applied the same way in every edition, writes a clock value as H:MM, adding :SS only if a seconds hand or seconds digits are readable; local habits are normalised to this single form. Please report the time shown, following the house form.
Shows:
9:14:26
